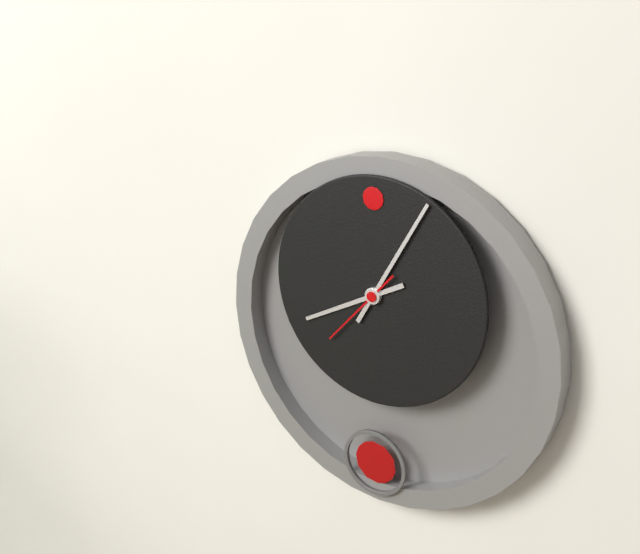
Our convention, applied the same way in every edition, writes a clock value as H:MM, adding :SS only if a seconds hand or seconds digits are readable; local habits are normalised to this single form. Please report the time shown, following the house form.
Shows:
8:05:37
